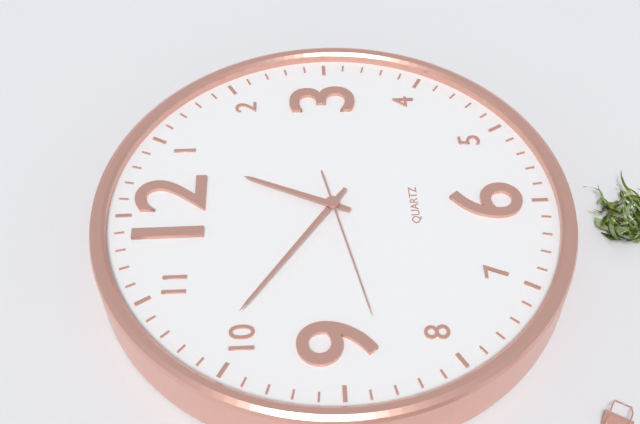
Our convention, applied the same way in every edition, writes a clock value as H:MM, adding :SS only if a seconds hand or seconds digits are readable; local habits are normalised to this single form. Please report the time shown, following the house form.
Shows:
12:51:43
